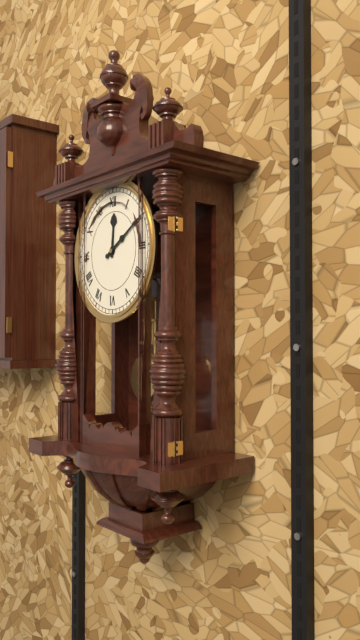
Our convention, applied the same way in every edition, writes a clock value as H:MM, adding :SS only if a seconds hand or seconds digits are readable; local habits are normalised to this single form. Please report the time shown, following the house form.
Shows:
12:10
